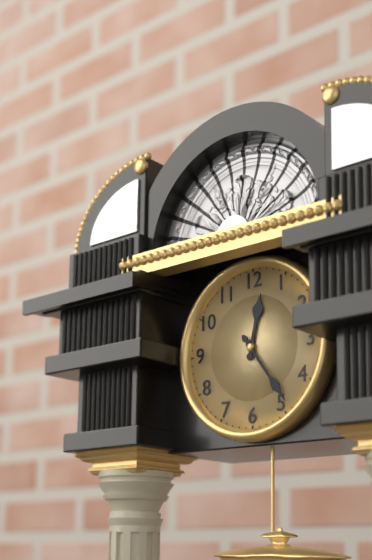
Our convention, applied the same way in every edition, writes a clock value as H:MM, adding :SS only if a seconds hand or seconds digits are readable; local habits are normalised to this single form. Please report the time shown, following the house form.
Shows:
12:24
